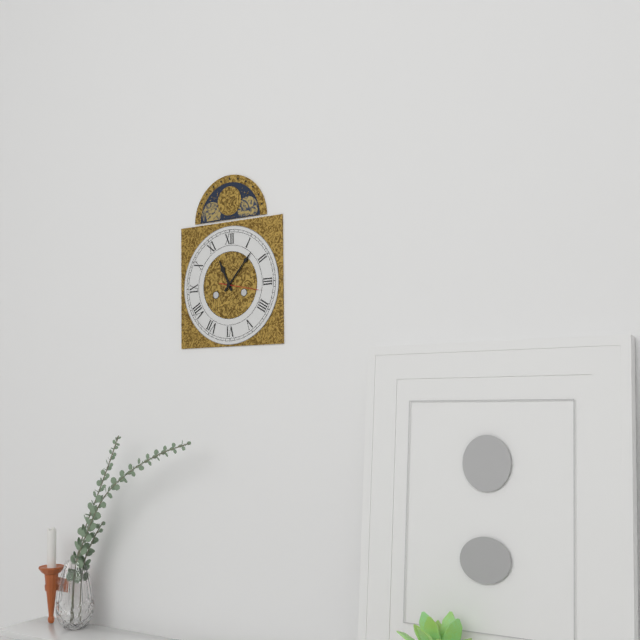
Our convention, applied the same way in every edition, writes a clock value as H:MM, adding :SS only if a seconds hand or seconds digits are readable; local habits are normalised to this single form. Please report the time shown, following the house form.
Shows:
11:07
